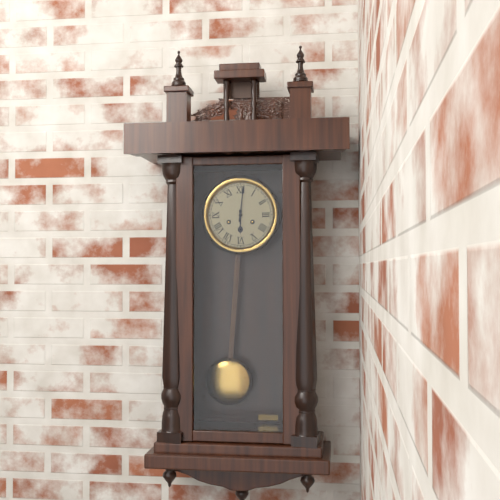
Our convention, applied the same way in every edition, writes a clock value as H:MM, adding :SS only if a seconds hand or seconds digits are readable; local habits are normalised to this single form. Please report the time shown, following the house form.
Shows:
6:01
